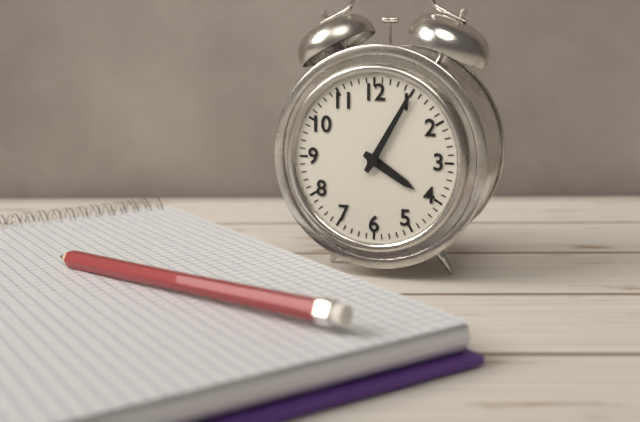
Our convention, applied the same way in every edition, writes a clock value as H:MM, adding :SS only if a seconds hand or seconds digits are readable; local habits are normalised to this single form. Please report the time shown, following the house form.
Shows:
4:05
